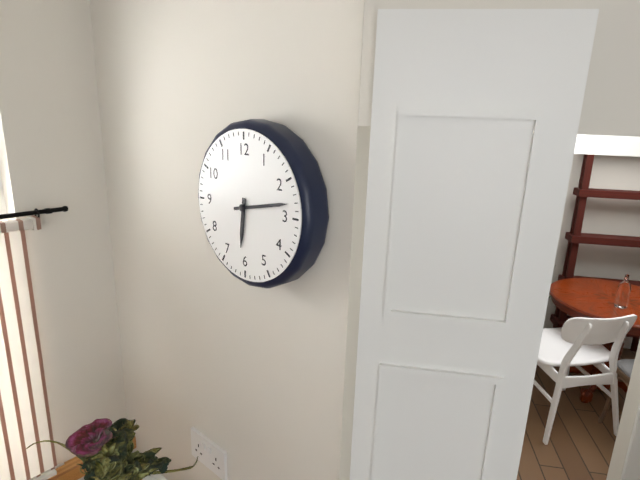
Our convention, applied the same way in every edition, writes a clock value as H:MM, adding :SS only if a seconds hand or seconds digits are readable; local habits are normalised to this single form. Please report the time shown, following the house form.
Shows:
6:13
